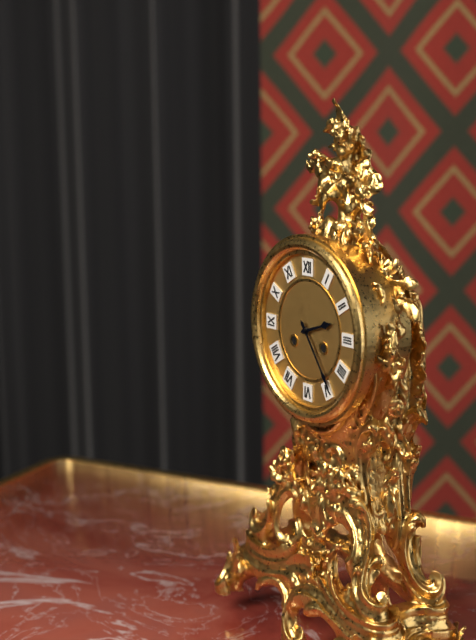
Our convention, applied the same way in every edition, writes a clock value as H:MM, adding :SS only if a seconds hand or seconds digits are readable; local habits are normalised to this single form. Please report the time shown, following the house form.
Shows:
2:24
